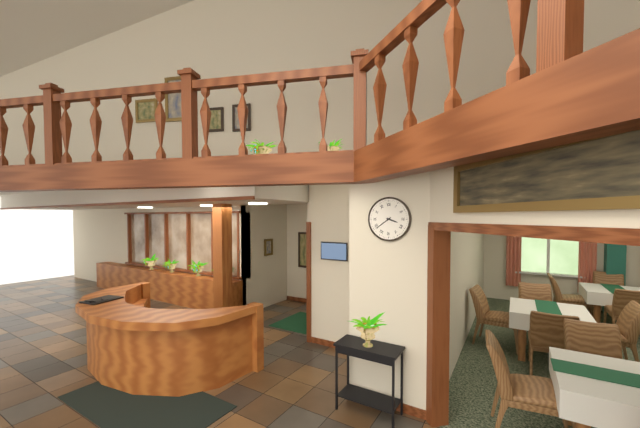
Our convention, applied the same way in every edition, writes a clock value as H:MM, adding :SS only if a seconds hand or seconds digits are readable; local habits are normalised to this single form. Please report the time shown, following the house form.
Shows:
3:39
